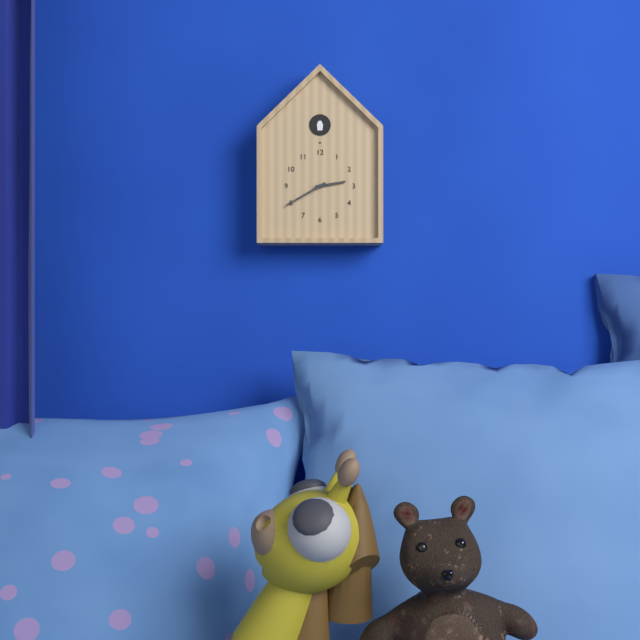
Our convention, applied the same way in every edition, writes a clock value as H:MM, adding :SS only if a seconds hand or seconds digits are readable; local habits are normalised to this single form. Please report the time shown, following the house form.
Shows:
2:40
